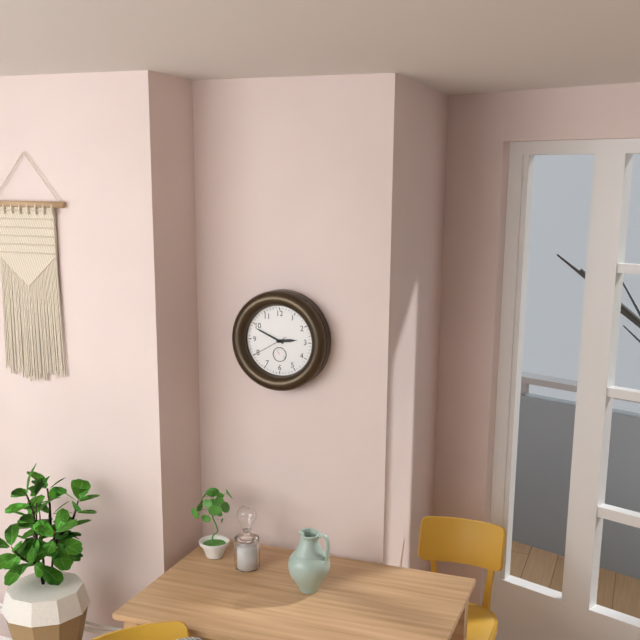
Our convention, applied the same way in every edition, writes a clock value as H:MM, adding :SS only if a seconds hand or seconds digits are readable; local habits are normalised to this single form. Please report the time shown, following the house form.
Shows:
2:49
